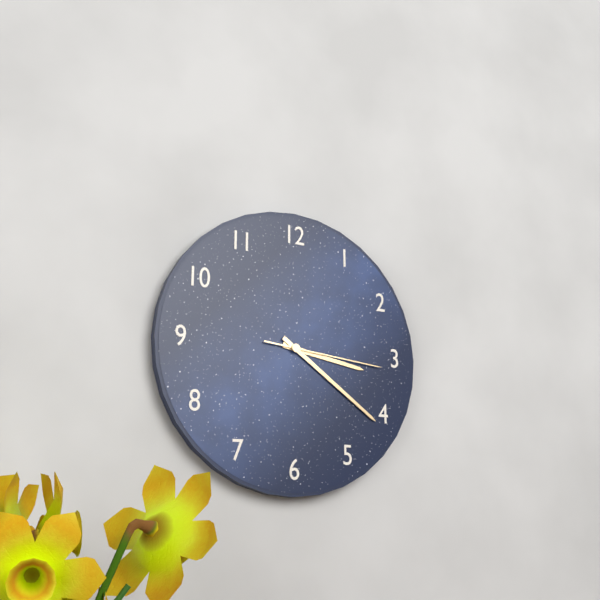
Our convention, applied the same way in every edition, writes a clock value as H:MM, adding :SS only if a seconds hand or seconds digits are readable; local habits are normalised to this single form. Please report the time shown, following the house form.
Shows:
3:21:16
